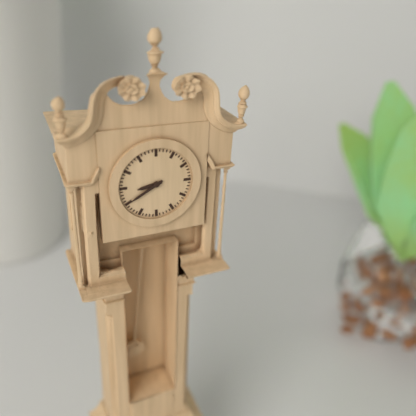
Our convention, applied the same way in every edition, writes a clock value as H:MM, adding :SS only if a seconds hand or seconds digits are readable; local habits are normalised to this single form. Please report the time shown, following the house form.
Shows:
8:40
